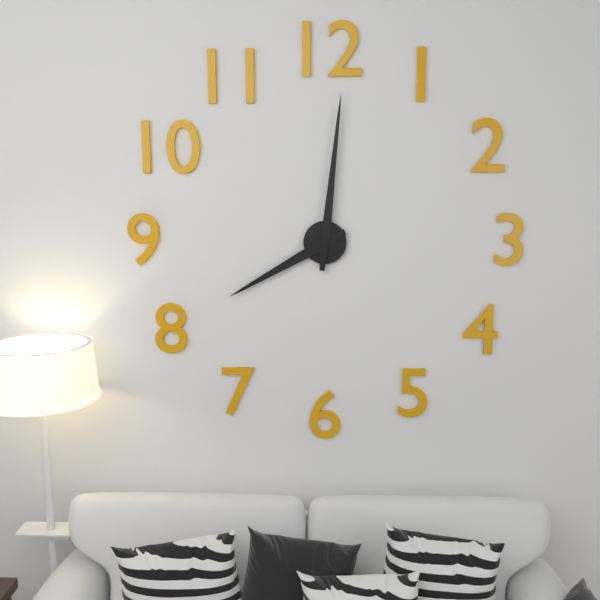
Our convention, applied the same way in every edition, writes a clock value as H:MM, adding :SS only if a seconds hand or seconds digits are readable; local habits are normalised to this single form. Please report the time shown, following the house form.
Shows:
8:01
